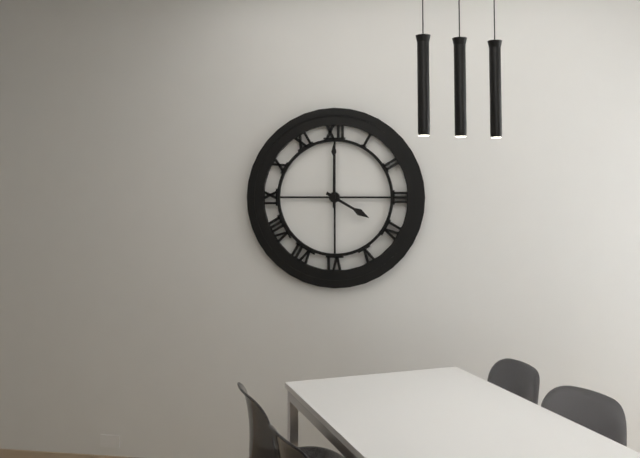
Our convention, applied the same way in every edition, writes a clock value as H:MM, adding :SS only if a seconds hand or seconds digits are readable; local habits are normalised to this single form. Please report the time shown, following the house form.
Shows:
4:00
